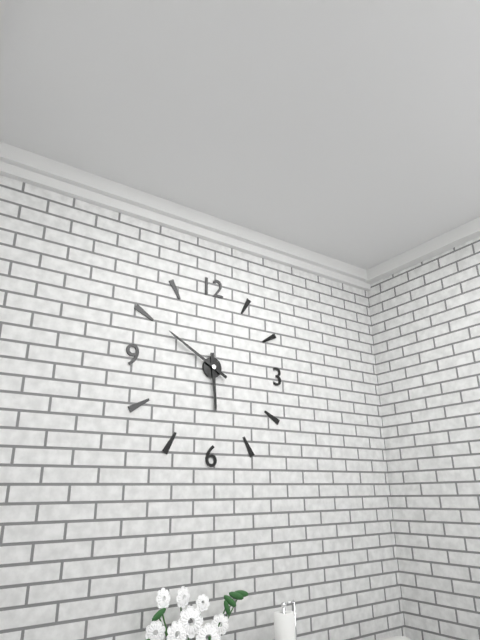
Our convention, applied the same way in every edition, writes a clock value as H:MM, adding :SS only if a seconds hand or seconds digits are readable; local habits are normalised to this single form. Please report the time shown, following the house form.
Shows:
5:50
